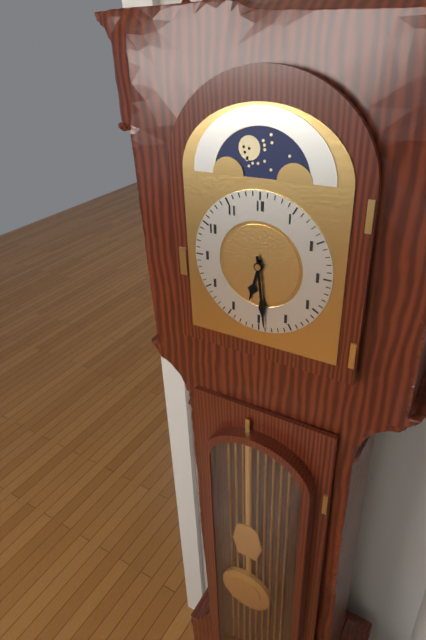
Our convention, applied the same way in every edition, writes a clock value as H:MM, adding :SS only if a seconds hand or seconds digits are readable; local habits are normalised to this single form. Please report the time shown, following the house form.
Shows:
6:29
